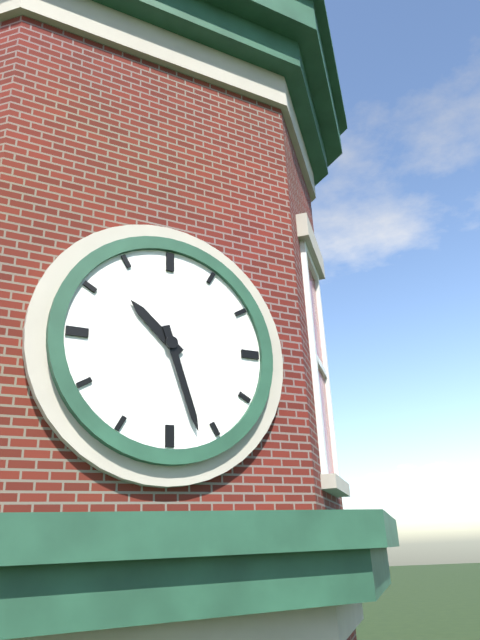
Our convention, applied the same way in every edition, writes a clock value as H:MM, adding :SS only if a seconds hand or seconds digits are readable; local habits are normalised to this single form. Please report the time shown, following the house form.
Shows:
10:27
